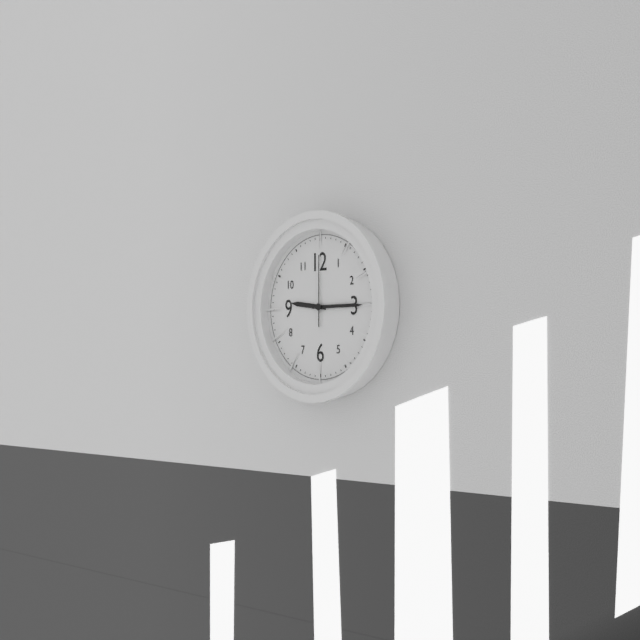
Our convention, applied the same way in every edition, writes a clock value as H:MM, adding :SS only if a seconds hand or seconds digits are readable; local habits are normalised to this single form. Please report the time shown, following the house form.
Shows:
9:15:00
